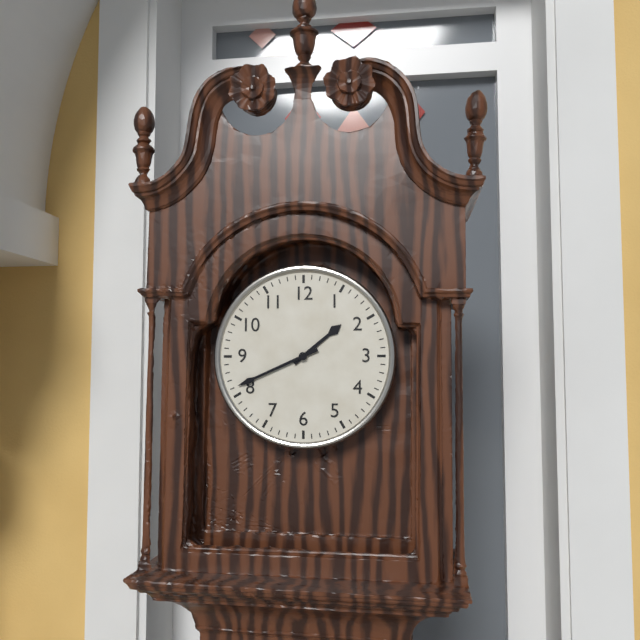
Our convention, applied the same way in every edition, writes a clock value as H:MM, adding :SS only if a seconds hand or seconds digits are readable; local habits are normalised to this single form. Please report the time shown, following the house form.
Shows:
1:41
